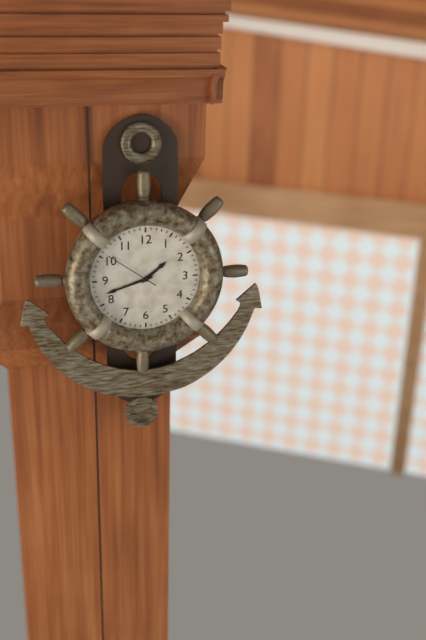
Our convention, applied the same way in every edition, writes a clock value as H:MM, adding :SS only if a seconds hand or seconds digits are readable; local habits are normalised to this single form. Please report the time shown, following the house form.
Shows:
1:42:51
